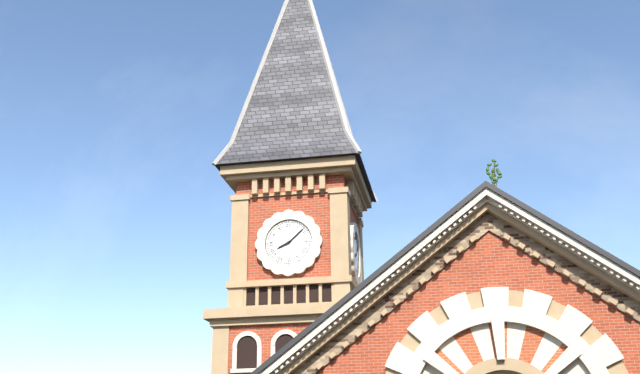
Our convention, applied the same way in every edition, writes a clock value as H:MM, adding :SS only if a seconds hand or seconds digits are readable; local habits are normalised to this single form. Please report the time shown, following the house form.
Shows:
8:08
